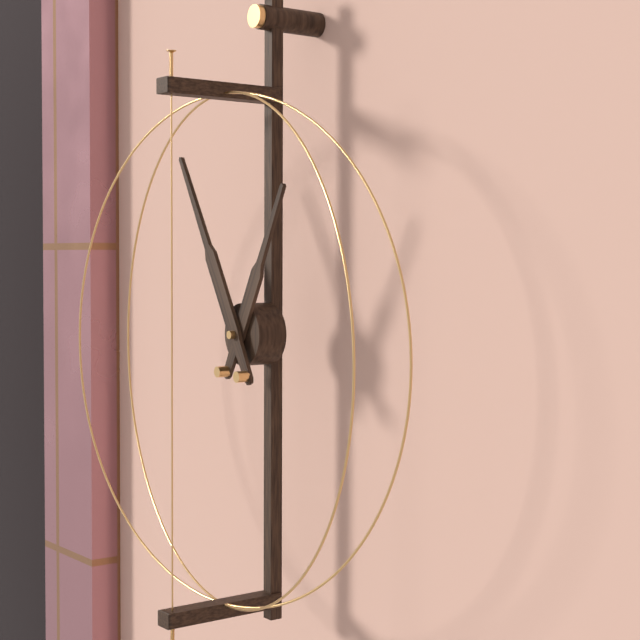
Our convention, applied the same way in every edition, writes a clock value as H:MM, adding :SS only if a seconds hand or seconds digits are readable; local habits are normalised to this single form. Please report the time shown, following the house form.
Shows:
12:55
